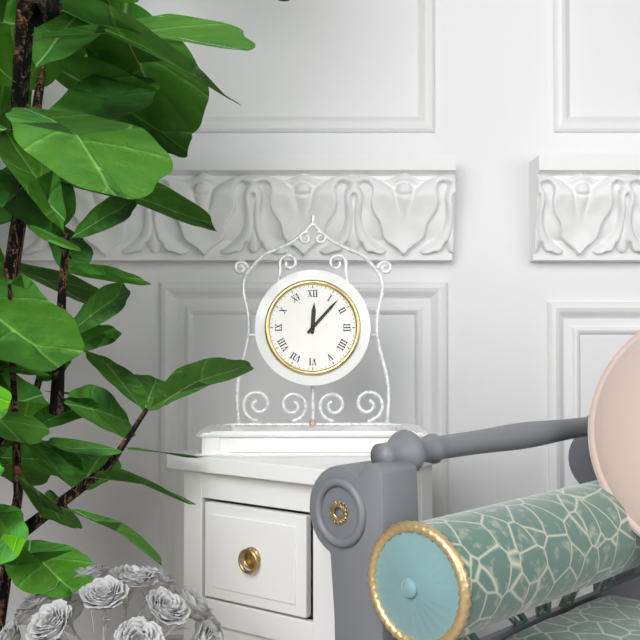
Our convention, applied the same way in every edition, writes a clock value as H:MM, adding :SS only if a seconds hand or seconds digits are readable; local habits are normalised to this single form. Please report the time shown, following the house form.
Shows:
12:07
